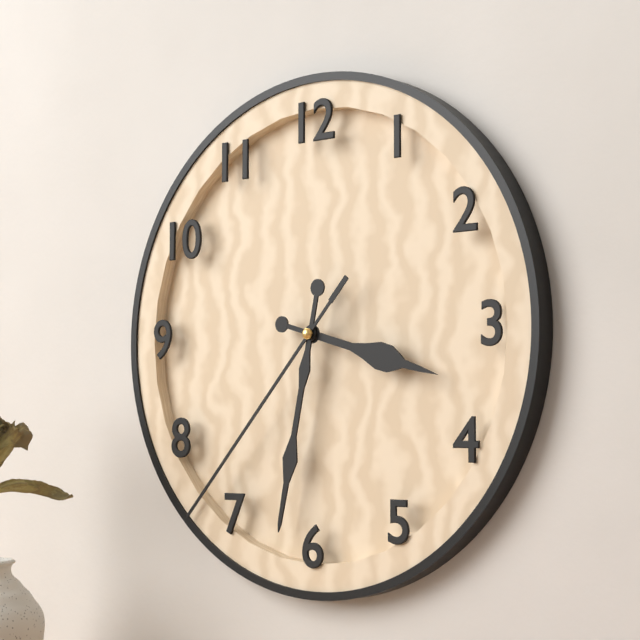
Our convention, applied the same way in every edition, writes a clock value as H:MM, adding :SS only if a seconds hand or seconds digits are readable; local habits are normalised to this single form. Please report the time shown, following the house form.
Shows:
3:32:37
